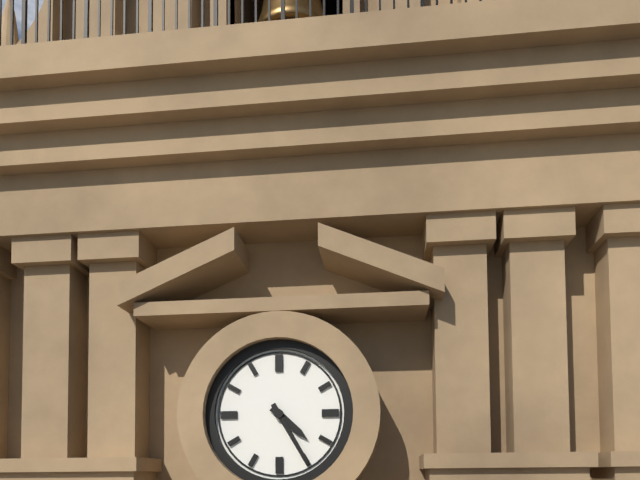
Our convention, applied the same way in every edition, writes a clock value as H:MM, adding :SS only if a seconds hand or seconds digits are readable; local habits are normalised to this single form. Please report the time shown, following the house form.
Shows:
4:25
